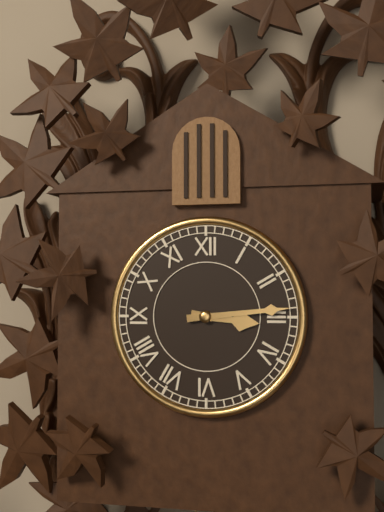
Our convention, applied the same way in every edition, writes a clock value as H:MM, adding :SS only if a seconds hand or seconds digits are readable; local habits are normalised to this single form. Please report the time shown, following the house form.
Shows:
3:14
